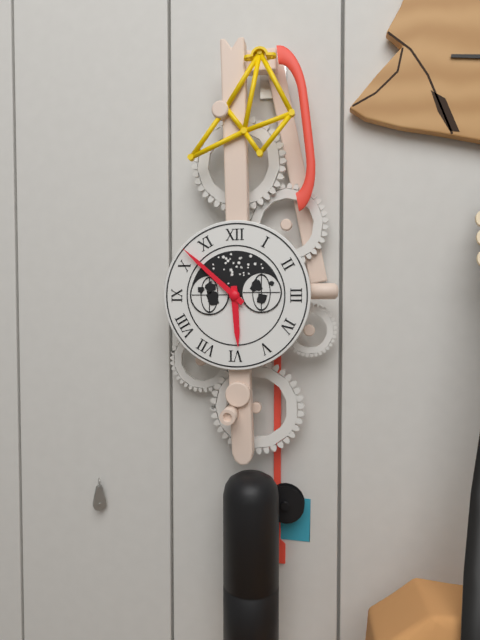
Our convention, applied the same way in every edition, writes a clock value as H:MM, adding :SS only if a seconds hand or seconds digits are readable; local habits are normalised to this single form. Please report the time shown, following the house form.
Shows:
5:52
